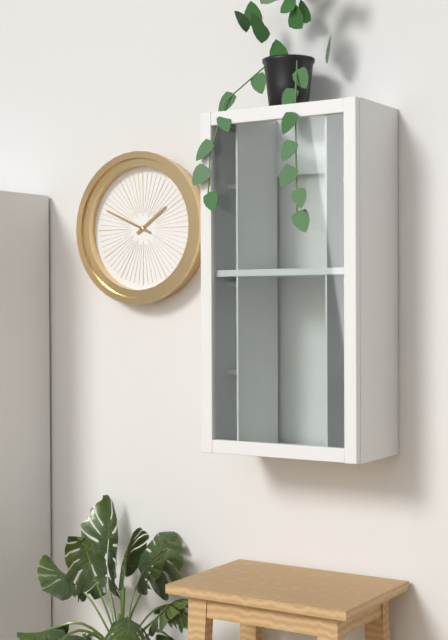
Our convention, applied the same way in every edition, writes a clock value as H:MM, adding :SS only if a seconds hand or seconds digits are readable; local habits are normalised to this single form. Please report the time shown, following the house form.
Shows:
1:49
